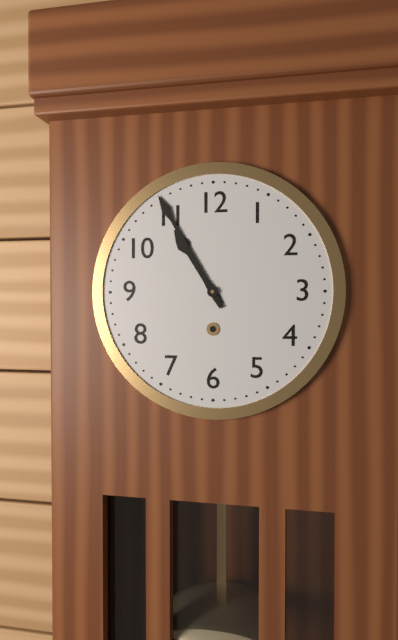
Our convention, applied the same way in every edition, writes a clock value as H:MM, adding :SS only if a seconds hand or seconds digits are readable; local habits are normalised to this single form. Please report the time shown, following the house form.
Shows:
10:55
